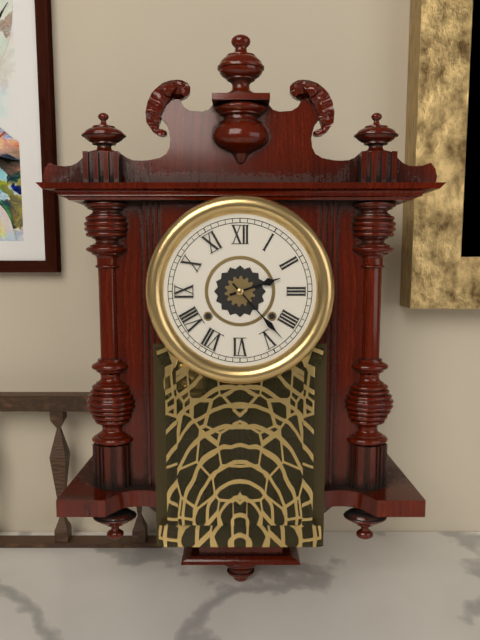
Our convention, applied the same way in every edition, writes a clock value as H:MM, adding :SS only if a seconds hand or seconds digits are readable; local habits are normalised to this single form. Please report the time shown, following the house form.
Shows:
2:23
